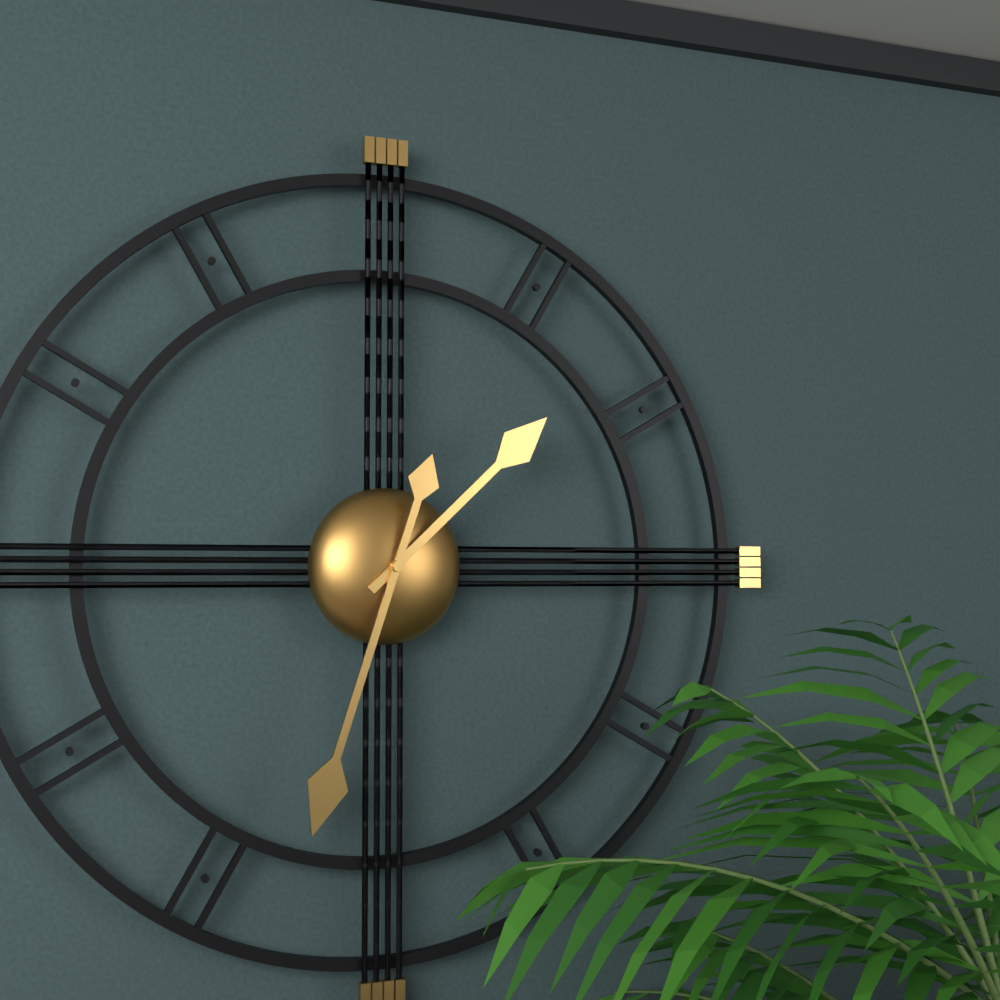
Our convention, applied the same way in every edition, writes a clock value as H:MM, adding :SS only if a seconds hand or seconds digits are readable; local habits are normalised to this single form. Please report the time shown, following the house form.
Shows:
1:33
